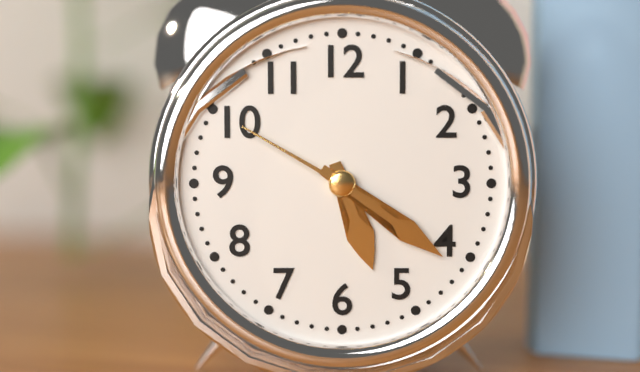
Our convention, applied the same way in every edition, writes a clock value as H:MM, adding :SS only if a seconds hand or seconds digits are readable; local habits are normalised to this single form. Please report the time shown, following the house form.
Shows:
5:21:50
